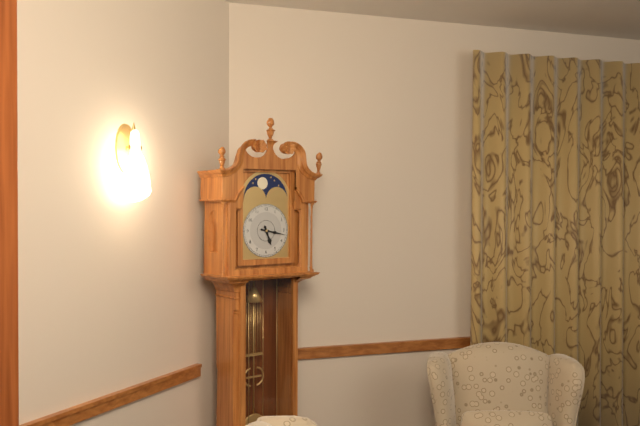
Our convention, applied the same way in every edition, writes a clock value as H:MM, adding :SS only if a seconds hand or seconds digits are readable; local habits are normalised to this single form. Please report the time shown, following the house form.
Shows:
5:17
